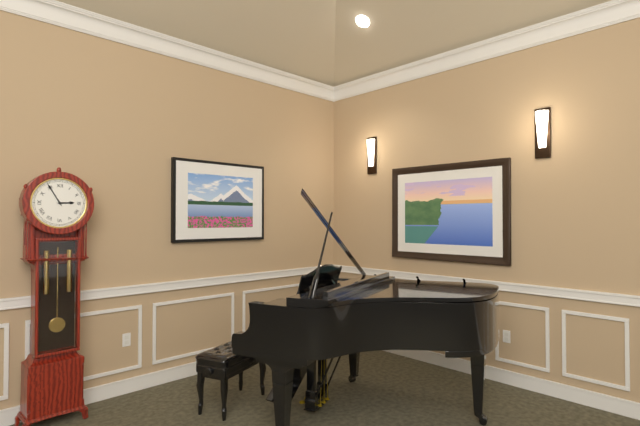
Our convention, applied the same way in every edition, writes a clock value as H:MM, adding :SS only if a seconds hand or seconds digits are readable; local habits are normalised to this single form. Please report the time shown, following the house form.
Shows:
2:55
